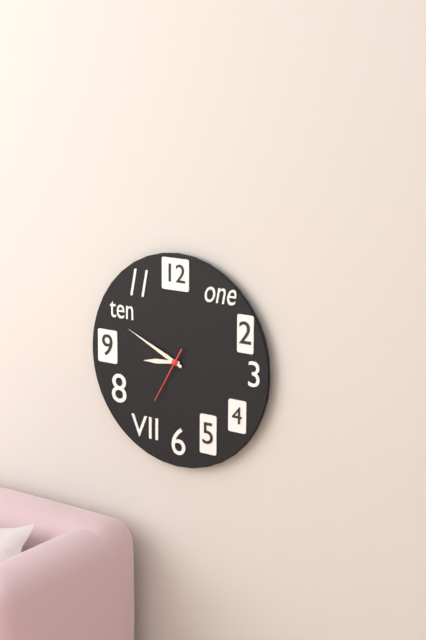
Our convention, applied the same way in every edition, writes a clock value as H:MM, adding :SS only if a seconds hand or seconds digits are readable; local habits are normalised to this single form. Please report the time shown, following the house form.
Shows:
8:49:35
